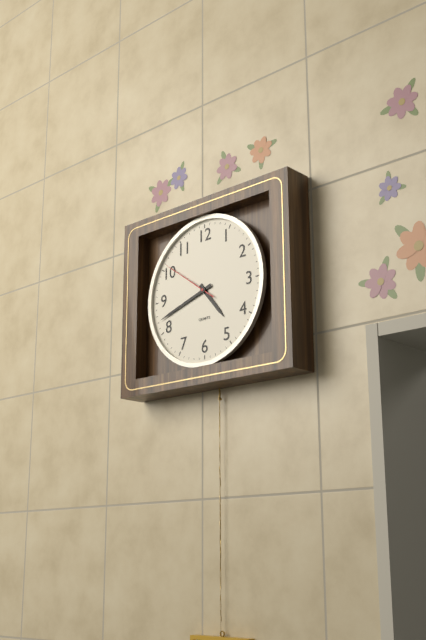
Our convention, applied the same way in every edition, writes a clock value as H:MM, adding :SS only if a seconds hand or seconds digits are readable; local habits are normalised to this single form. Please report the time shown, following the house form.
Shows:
4:42:51
